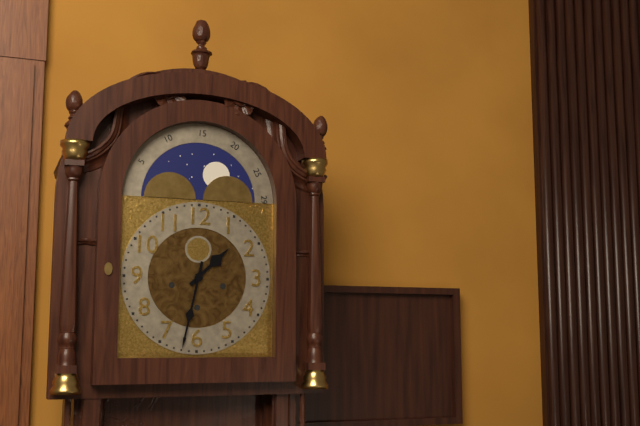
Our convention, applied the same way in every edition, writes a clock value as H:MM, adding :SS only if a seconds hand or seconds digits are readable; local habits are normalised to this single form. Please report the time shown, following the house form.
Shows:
1:32
